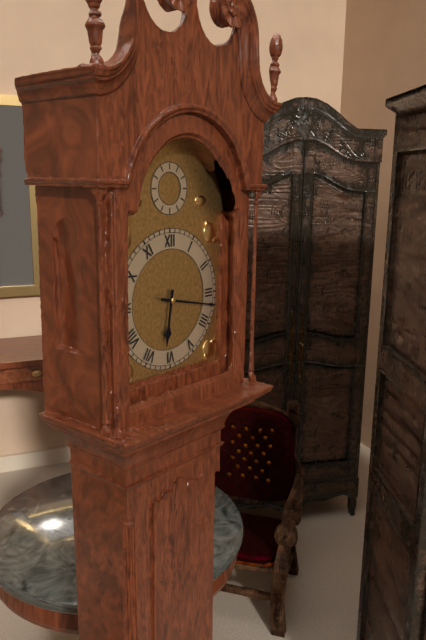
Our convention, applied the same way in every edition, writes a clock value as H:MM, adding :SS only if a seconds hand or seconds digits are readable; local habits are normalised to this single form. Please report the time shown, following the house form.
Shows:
6:17
